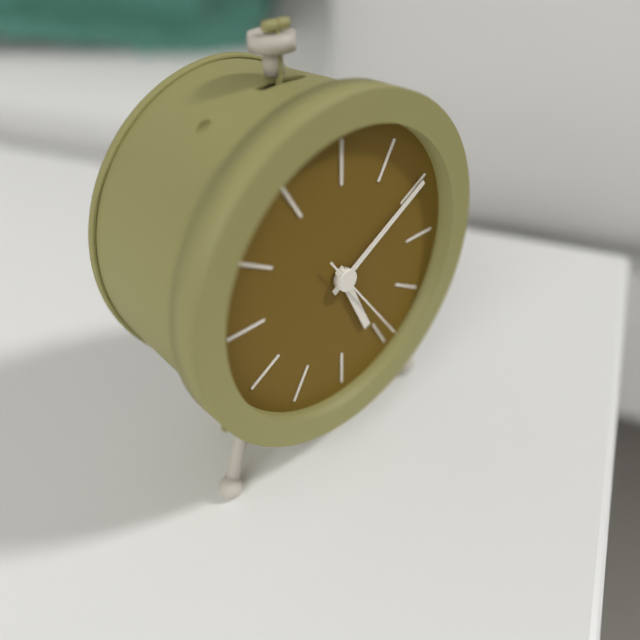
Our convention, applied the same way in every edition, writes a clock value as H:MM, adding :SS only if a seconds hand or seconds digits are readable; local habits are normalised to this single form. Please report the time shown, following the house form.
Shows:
5:10:24
